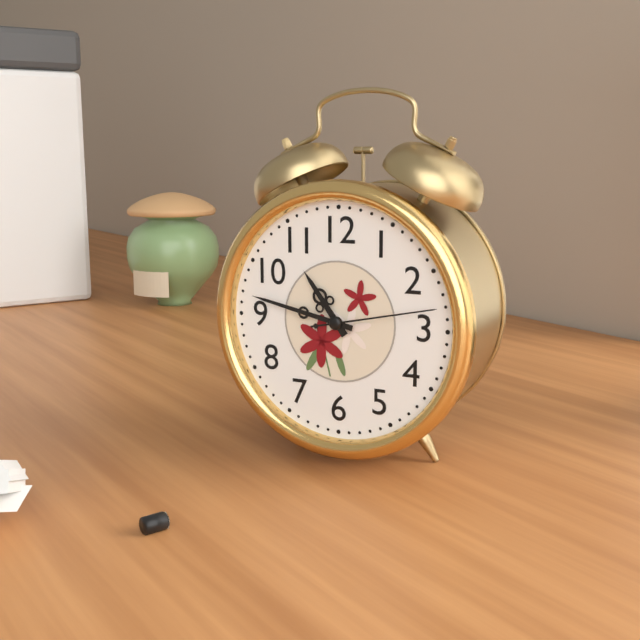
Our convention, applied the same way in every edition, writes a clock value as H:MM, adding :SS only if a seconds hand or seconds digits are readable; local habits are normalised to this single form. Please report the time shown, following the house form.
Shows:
10:47:13
